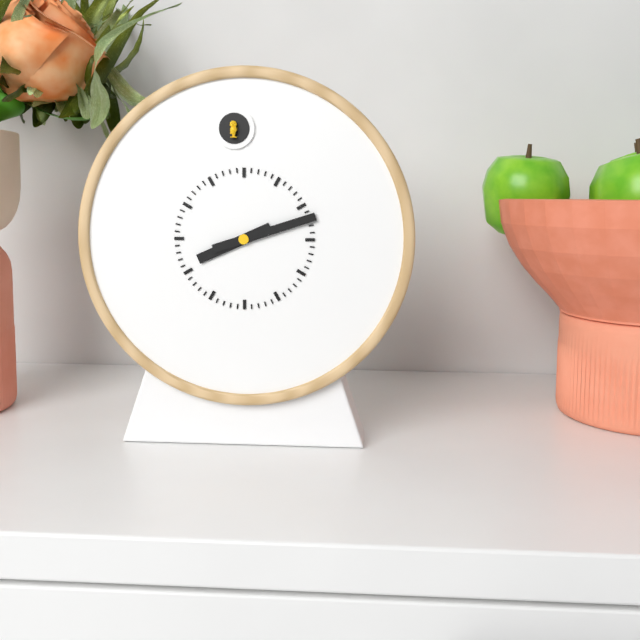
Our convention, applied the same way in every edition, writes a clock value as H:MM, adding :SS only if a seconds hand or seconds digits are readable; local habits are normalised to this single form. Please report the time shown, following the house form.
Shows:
8:12
